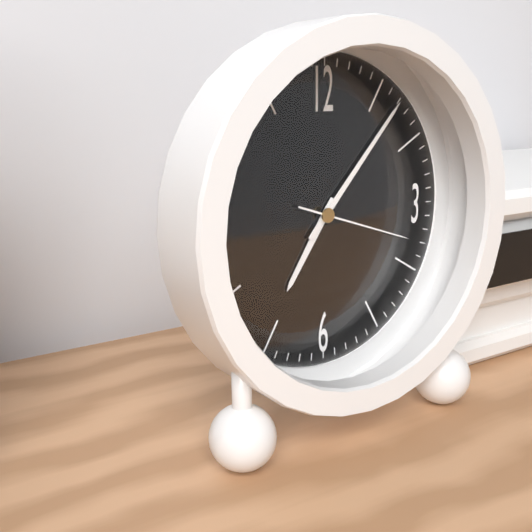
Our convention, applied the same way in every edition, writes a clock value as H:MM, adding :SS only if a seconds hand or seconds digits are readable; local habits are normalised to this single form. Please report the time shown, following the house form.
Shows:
7:07:18
